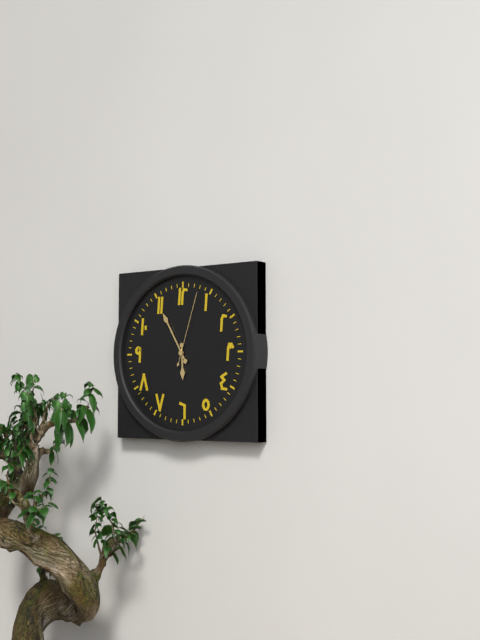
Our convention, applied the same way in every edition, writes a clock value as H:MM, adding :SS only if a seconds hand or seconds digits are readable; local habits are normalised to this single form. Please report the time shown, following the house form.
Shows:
5:55:03
